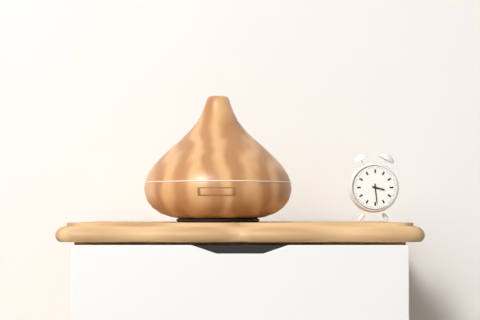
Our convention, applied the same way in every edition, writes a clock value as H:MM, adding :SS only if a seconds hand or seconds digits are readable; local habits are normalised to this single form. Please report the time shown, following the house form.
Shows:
3:29
